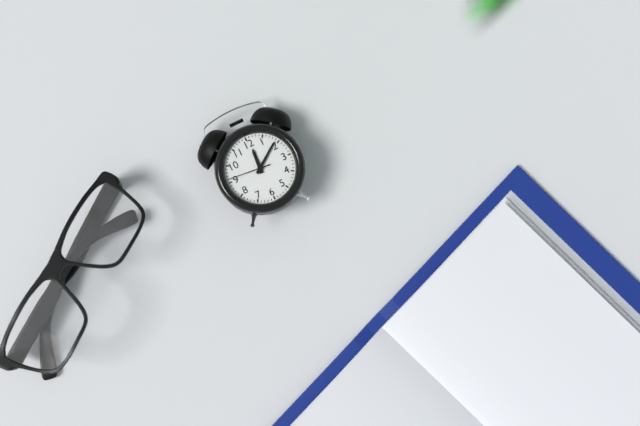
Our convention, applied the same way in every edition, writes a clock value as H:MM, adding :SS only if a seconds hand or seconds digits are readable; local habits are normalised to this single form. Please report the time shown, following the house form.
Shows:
12:09
